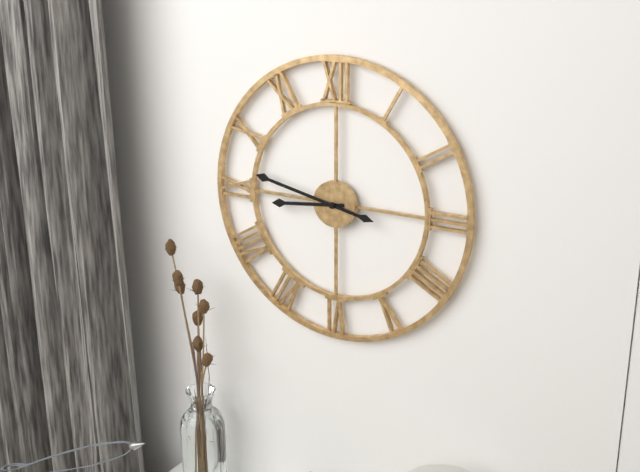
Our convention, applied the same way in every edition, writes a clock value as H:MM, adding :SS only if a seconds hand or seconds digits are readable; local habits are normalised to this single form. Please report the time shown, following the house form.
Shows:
8:47
